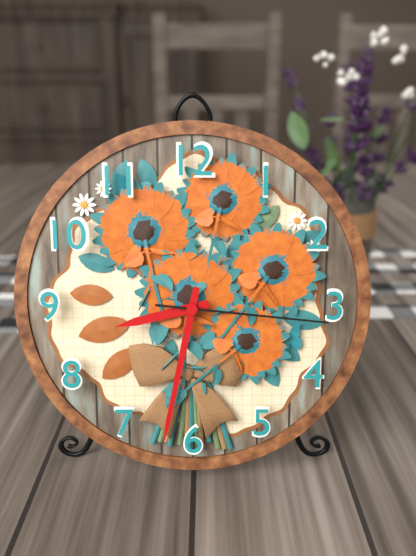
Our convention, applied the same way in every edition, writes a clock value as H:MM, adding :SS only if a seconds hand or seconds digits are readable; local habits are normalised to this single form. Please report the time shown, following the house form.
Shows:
8:32:16
